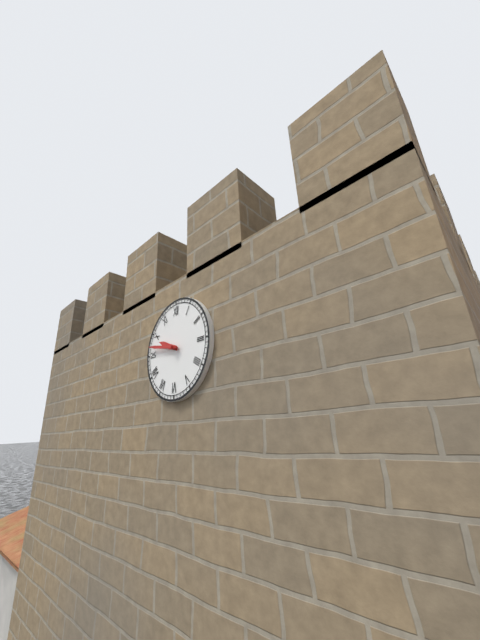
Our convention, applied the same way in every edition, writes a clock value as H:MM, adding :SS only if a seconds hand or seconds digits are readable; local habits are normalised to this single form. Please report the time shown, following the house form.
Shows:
9:47
